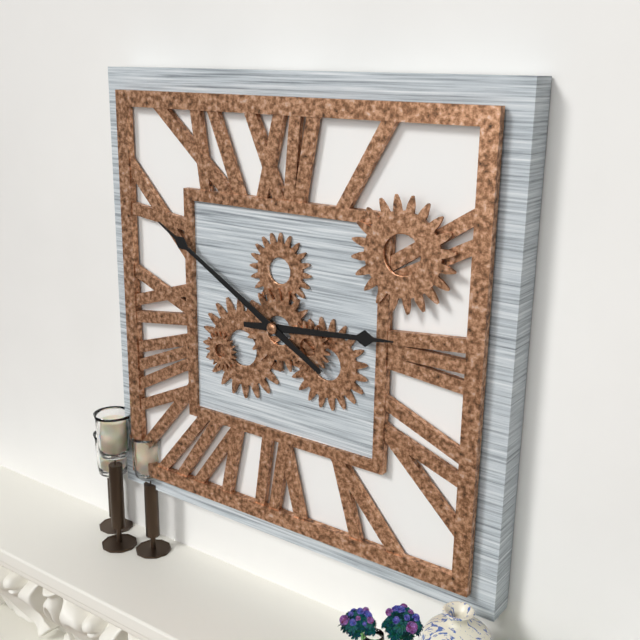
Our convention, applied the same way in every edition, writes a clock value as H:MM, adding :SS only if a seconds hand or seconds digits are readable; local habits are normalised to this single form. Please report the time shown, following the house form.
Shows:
2:50
